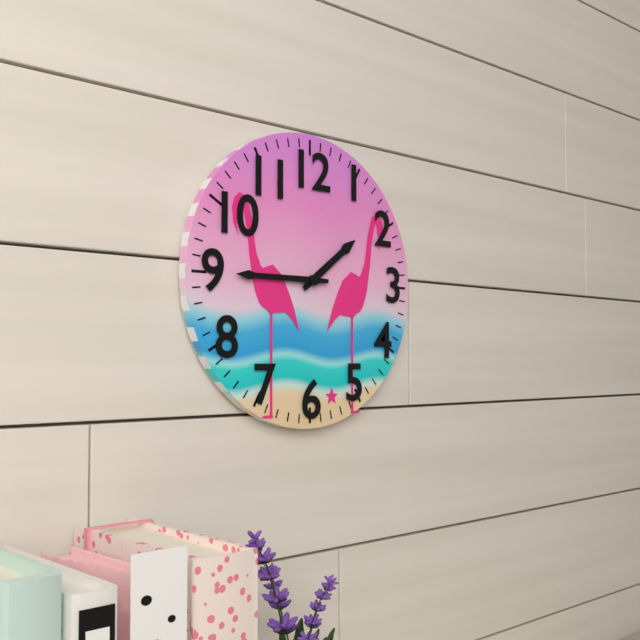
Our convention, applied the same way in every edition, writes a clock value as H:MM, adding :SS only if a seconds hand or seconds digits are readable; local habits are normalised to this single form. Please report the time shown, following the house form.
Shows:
1:45
